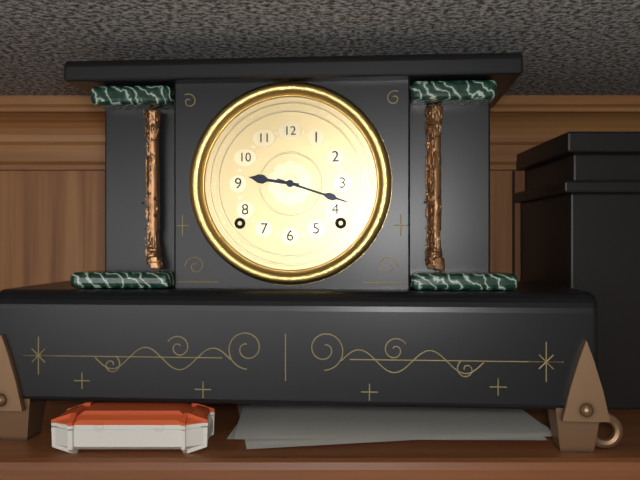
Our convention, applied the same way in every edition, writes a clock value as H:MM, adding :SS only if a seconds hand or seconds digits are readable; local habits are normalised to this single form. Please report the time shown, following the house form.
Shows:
9:18
